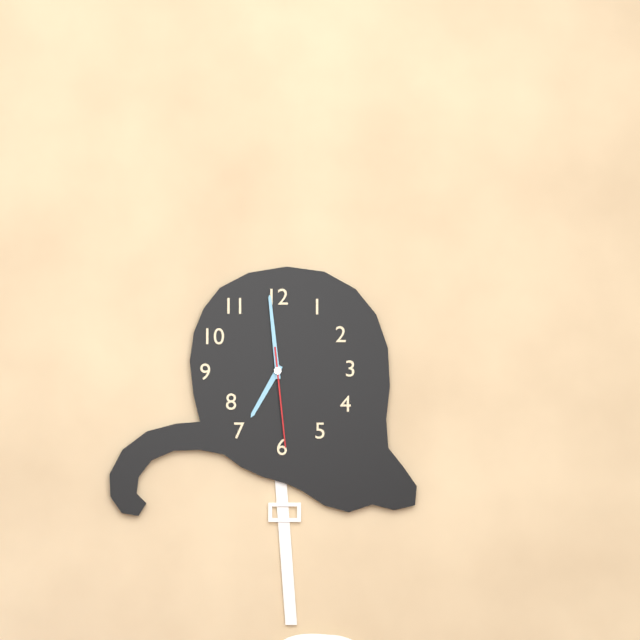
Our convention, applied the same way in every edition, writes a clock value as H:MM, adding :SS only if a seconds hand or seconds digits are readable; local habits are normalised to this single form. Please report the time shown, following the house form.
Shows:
6:59:29
